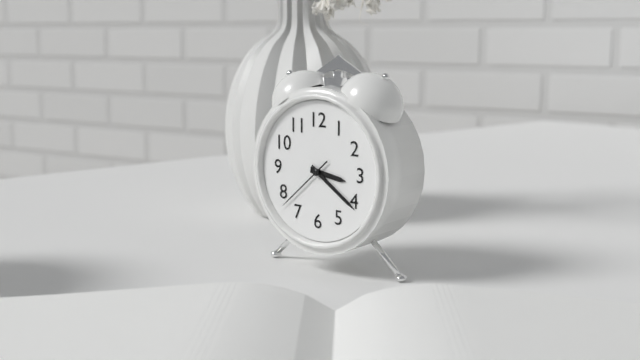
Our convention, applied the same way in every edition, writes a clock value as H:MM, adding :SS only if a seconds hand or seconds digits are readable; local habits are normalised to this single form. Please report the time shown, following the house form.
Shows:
3:21:38
